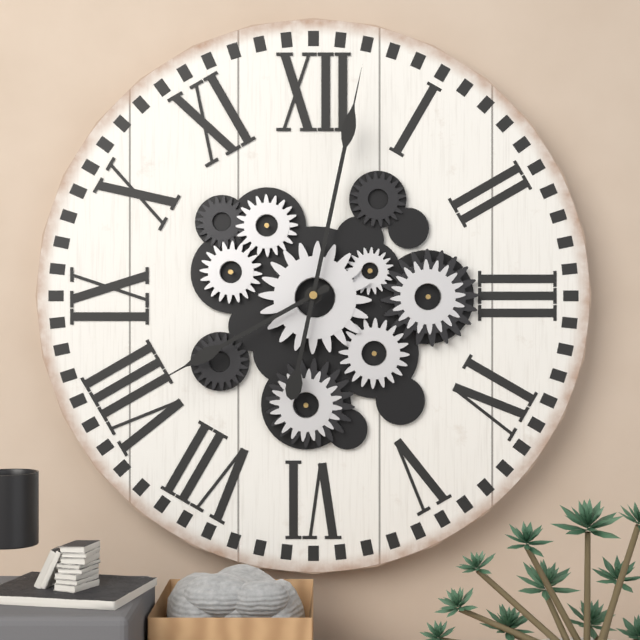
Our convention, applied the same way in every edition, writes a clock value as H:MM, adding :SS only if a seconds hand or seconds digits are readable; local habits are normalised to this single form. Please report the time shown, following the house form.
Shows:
8:02
